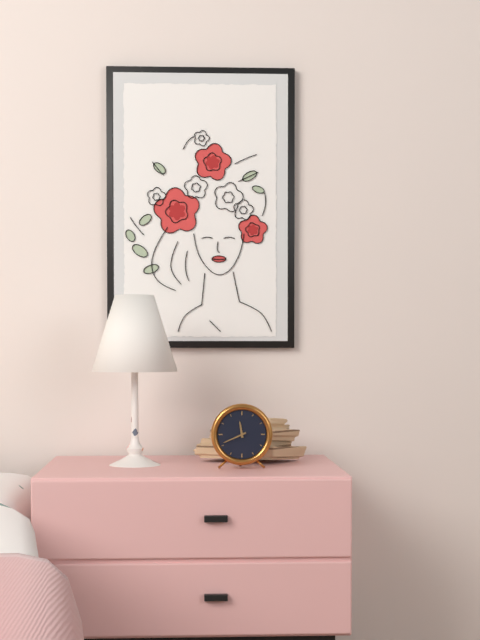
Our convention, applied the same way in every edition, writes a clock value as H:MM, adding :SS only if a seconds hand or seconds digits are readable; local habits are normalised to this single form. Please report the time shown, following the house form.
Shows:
11:41
